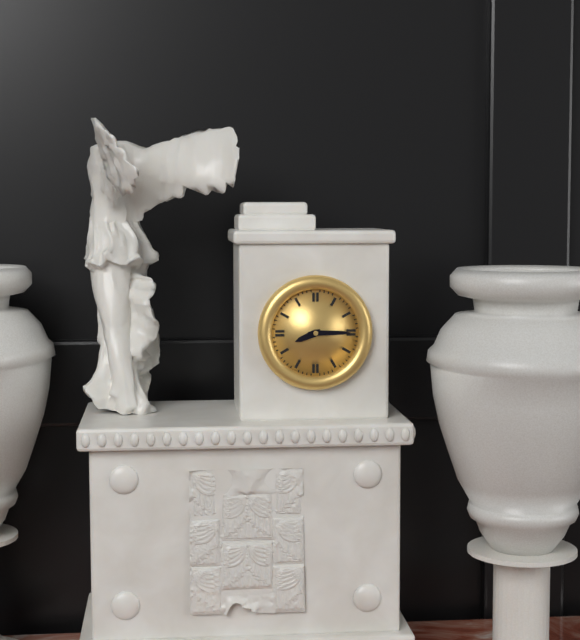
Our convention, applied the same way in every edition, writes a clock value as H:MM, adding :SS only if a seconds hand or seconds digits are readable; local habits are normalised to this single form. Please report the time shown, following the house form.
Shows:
8:15
